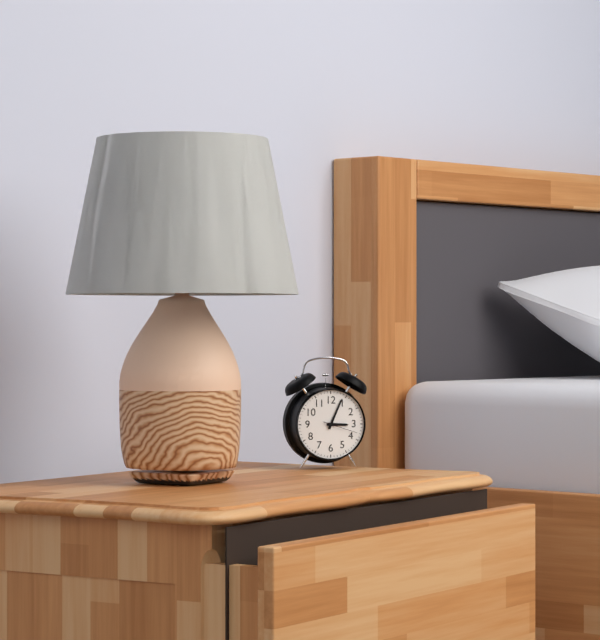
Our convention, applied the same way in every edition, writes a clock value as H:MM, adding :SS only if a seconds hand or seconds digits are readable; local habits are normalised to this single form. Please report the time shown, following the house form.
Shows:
3:04
